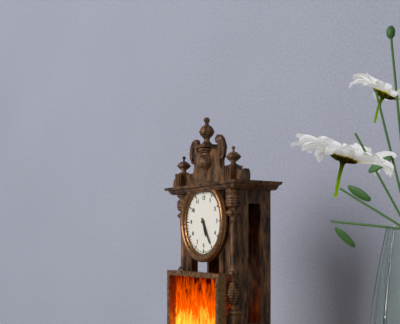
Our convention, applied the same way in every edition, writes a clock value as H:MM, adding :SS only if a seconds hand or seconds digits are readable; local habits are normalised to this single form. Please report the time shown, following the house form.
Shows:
5:25
